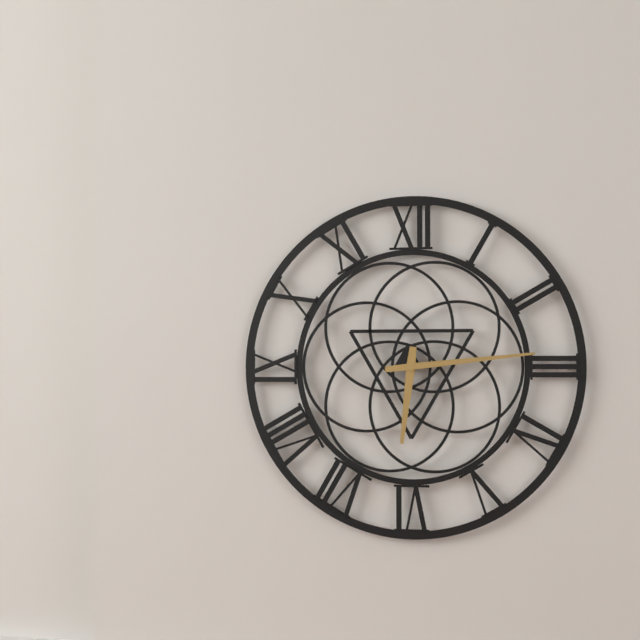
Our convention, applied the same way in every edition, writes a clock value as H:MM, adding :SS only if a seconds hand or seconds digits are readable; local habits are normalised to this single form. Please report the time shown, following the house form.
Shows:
6:14
